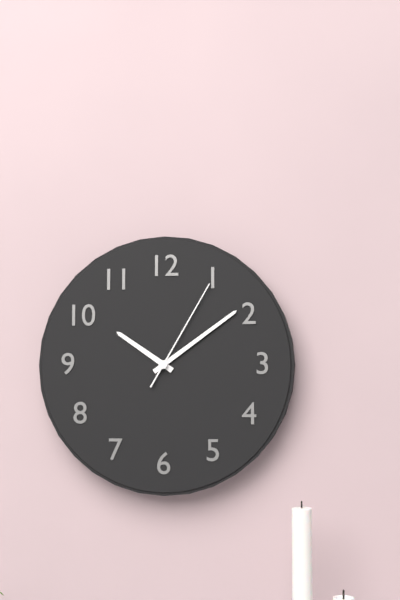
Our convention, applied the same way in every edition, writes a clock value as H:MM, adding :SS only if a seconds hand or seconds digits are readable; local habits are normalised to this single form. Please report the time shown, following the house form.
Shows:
10:09:05
